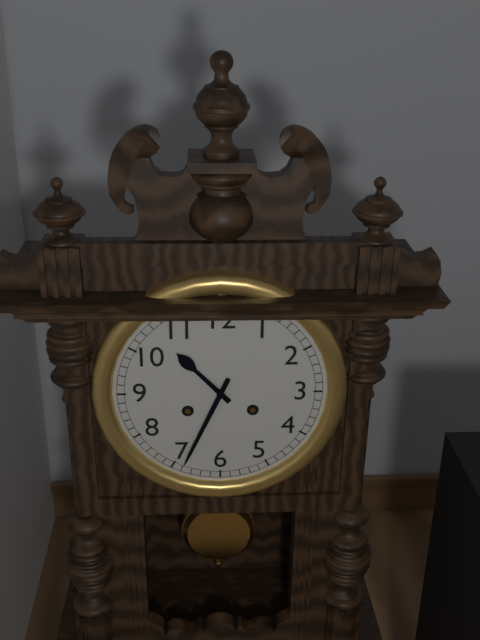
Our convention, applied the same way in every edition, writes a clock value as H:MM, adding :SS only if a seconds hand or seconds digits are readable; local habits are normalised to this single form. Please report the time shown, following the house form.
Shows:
10:34
